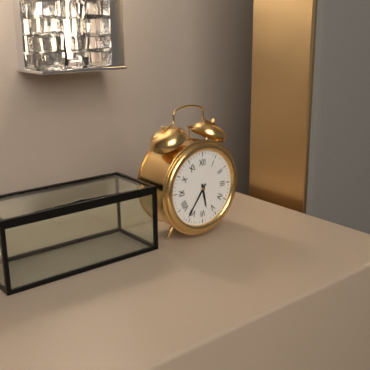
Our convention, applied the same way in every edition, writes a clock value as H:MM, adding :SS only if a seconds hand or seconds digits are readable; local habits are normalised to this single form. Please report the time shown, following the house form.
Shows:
5:36
